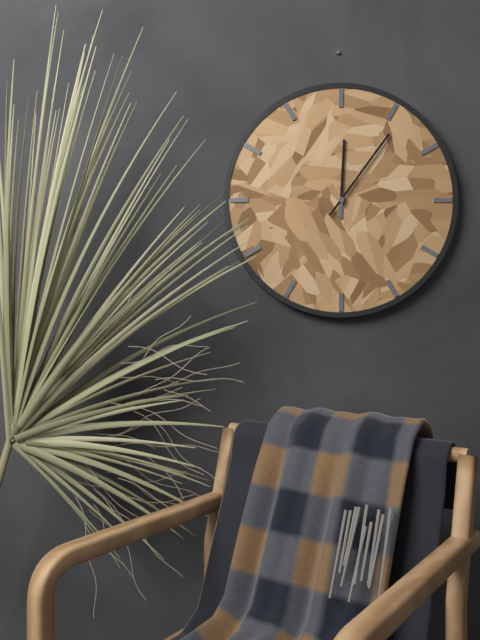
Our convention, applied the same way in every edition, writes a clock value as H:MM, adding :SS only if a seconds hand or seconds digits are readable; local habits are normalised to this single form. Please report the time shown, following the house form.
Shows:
12:06
